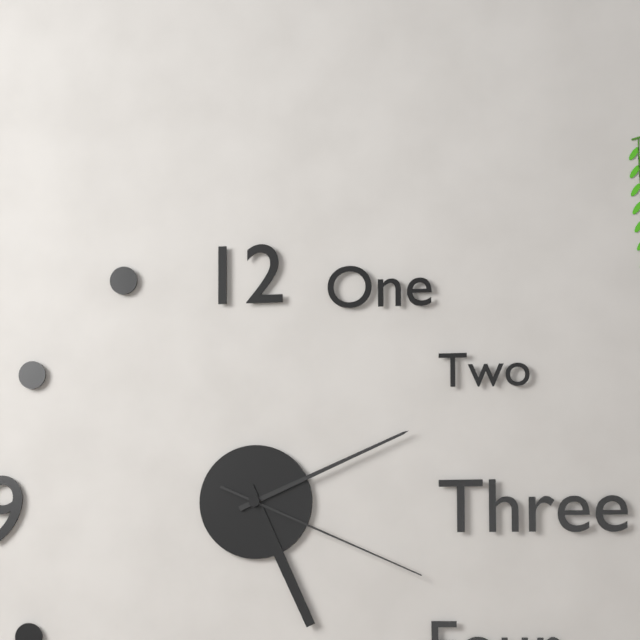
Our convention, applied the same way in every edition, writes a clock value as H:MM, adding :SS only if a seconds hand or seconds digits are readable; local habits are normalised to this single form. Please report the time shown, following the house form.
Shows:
5:11:19
